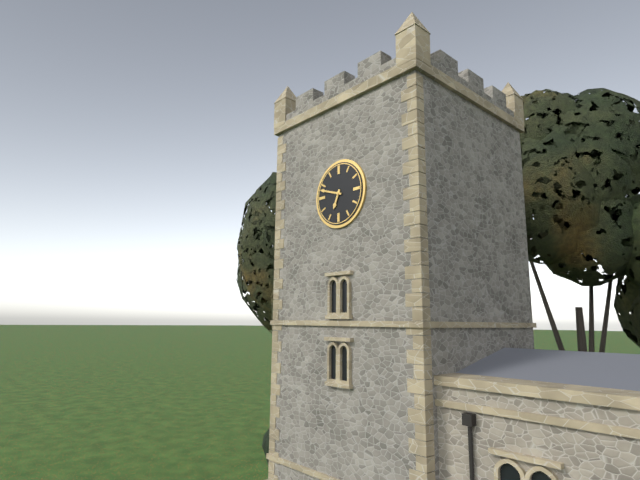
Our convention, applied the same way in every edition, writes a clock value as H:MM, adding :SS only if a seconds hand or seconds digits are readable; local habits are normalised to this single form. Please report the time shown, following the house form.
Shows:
6:48
